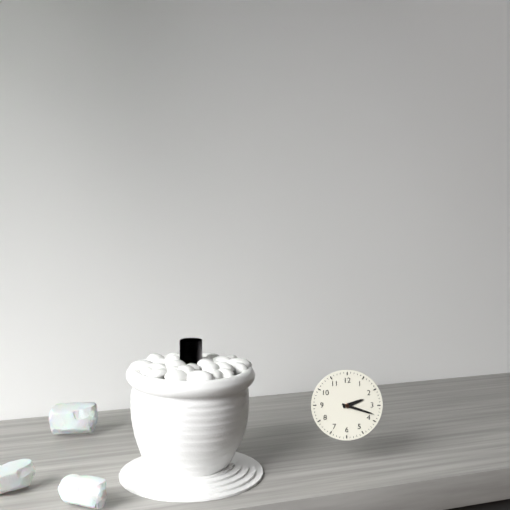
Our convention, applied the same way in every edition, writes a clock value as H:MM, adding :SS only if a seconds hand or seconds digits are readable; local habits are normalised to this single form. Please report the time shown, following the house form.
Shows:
2:18
